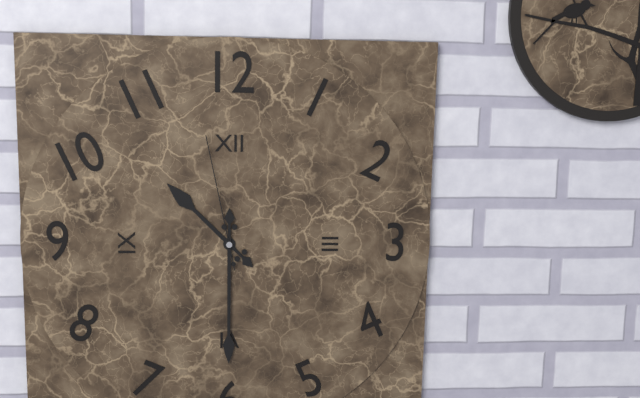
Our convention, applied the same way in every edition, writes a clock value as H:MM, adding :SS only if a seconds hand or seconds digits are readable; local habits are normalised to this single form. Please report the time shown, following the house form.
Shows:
10:30:58
